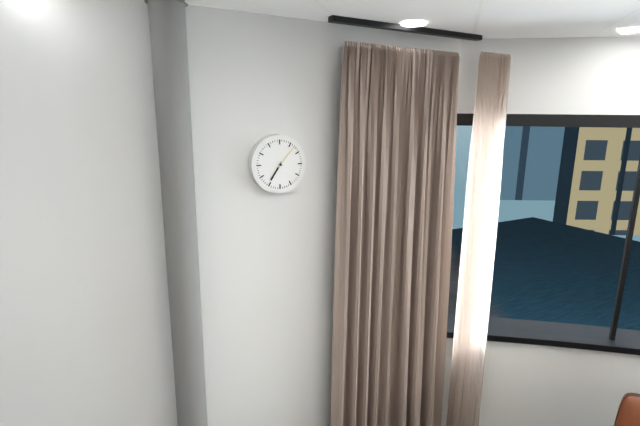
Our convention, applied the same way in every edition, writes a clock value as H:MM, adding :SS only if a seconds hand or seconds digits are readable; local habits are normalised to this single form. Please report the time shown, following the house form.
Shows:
7:07
